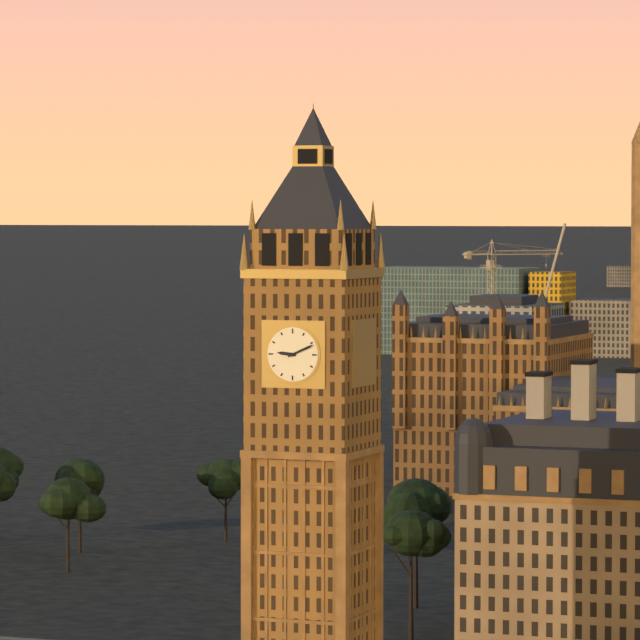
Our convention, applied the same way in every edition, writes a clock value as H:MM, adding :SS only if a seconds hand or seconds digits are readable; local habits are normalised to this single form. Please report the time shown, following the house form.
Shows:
9:11
